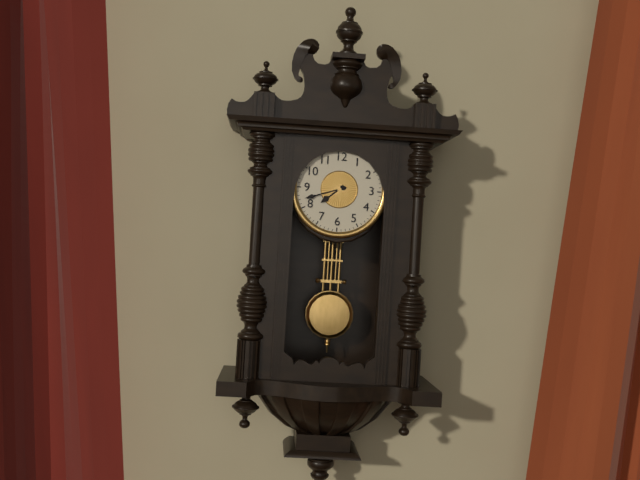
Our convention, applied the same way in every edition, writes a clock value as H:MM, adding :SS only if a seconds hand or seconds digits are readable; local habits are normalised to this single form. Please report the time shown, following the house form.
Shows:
7:42
